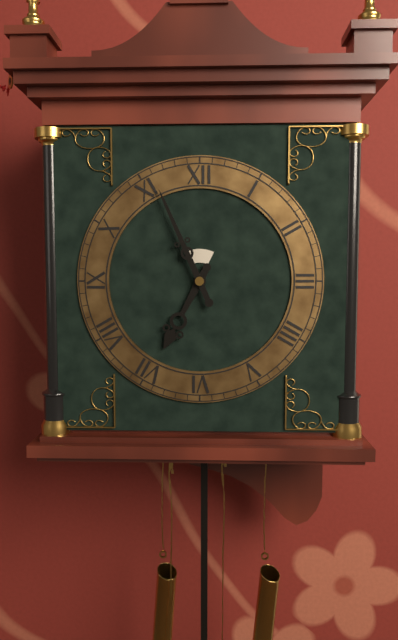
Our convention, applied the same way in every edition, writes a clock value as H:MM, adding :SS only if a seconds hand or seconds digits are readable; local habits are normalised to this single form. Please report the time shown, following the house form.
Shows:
6:56
